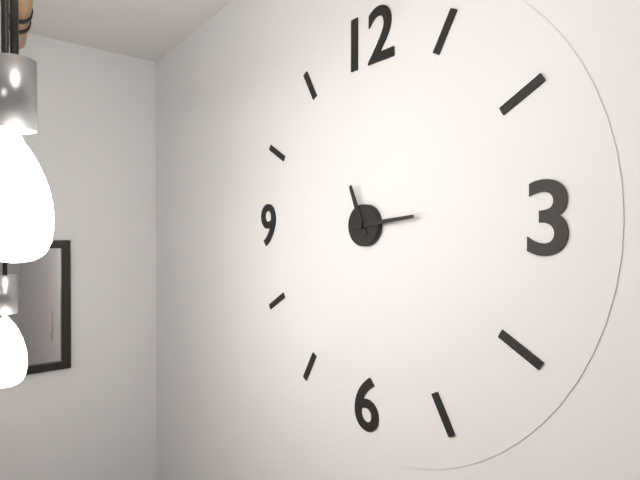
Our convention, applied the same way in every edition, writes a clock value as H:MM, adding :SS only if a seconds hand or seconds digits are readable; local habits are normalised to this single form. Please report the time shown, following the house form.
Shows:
11:14
